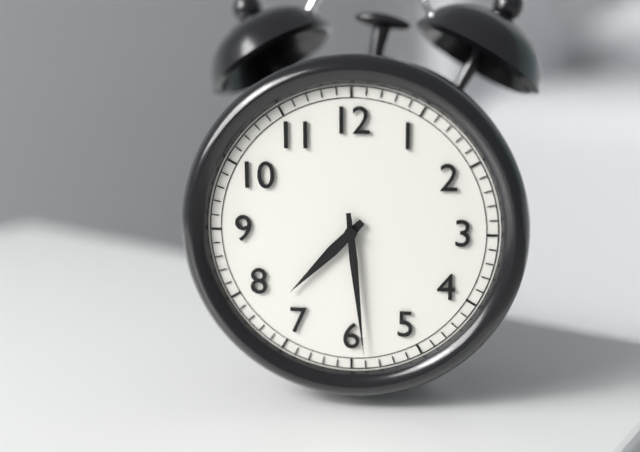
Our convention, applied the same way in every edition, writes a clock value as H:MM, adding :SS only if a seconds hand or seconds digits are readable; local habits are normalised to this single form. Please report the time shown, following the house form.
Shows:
7:29
